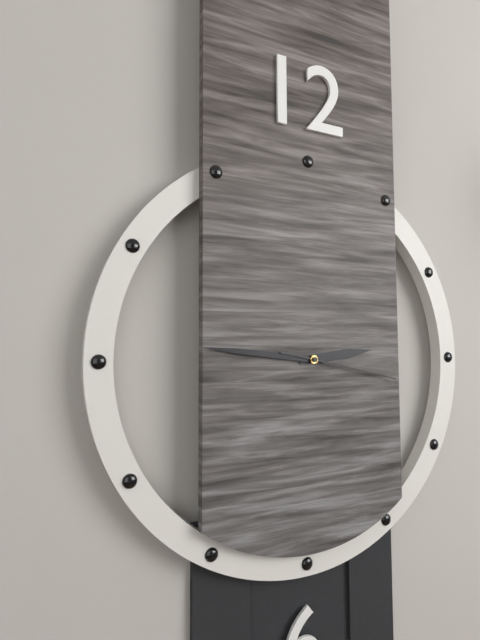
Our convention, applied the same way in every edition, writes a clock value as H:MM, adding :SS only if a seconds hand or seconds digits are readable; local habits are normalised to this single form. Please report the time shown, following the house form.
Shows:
2:46:17
